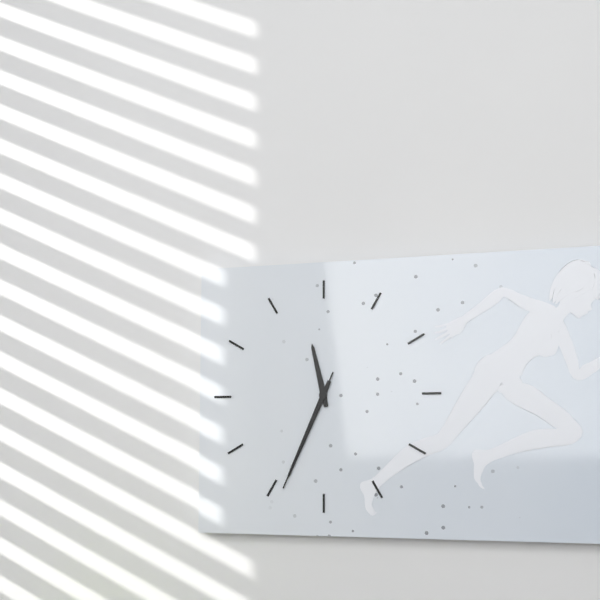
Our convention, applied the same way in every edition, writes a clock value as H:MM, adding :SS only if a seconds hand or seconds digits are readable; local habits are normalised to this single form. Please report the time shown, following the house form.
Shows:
11:34:34
